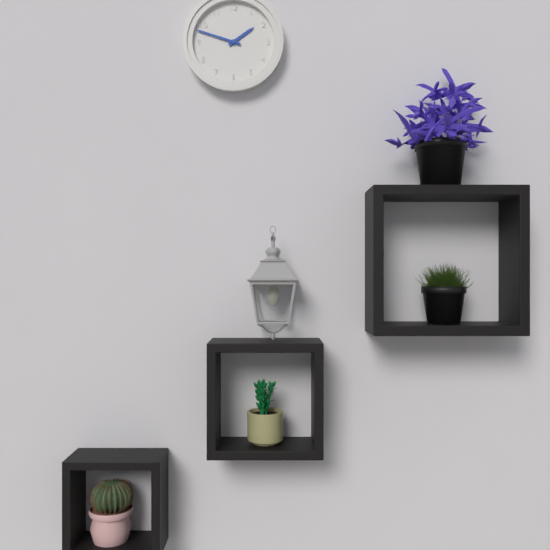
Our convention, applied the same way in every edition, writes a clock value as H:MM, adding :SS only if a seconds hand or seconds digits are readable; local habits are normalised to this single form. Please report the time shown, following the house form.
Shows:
1:48
